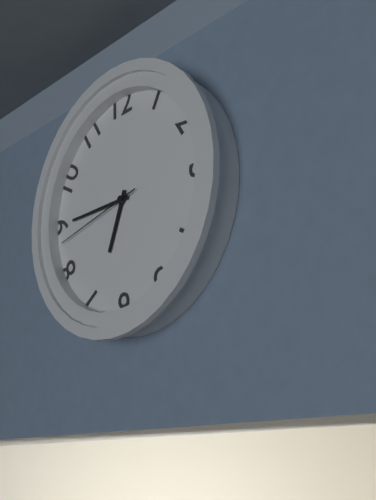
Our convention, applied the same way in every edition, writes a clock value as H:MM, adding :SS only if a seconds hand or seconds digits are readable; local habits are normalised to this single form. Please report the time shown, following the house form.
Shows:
6:45:43
